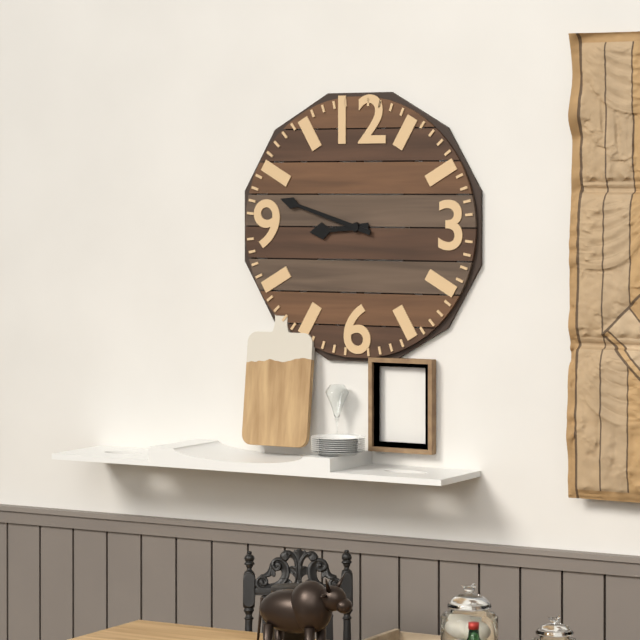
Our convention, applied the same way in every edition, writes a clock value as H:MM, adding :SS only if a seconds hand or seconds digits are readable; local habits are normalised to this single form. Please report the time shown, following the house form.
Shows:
8:48
